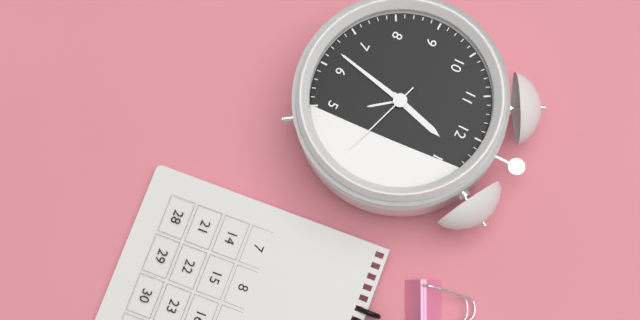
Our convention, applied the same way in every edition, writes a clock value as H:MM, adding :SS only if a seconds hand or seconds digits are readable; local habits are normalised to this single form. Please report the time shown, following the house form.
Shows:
12:32:18
